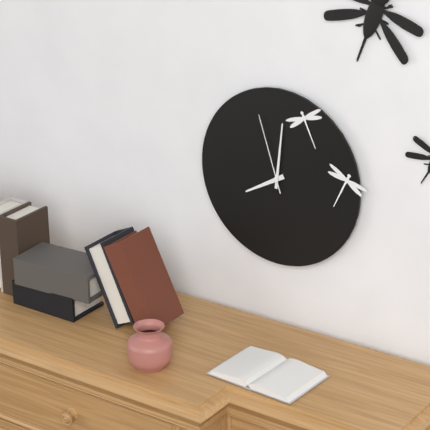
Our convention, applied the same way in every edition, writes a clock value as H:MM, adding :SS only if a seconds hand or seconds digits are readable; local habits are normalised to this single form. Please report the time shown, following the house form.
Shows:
8:01:57
